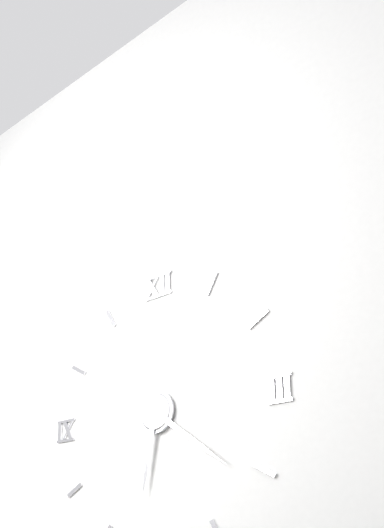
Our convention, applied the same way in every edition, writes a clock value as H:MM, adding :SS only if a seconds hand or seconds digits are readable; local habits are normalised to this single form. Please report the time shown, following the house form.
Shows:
6:21
